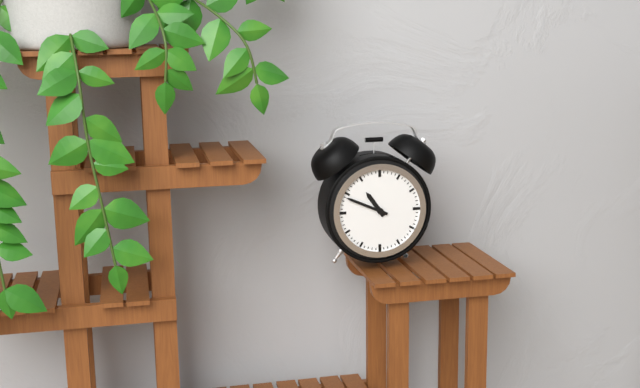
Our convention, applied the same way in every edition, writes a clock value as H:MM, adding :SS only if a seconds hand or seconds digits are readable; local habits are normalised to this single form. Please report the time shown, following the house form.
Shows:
10:49
